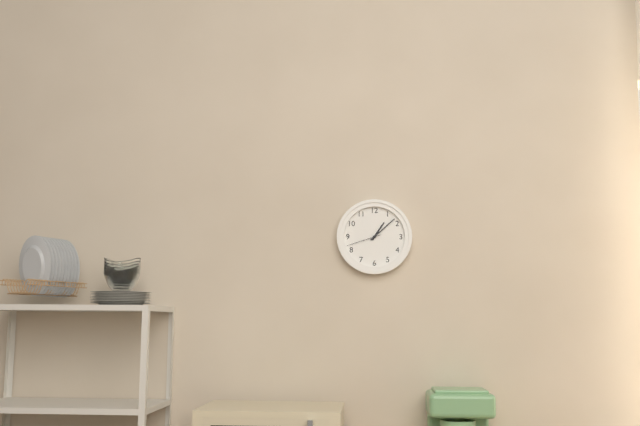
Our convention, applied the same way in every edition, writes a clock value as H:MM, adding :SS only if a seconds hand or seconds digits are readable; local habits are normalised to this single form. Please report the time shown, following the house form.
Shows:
1:08
